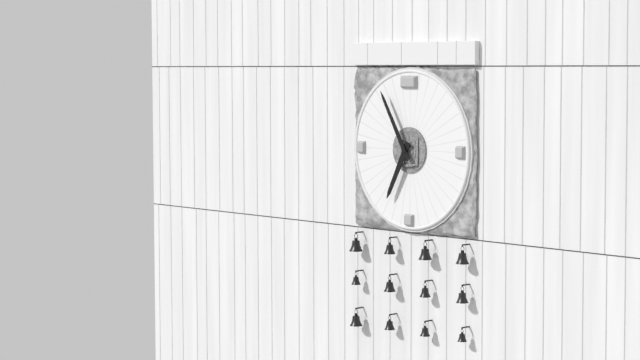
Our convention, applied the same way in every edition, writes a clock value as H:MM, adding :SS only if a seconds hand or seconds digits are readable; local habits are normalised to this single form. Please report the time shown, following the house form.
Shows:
6:55
